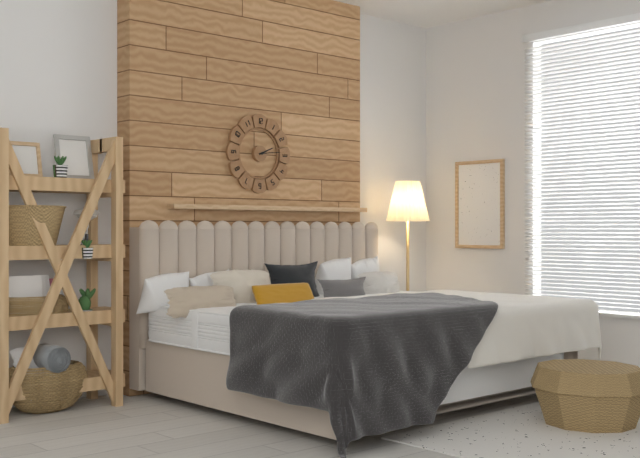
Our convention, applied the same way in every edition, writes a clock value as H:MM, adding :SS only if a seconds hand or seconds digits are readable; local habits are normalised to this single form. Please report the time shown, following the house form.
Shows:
2:14
